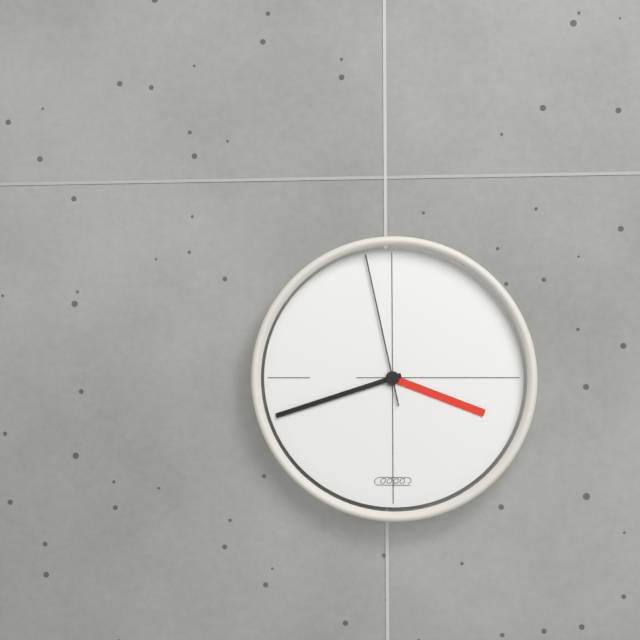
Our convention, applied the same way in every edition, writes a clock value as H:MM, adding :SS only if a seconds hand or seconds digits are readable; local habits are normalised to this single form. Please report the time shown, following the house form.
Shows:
3:42:58
